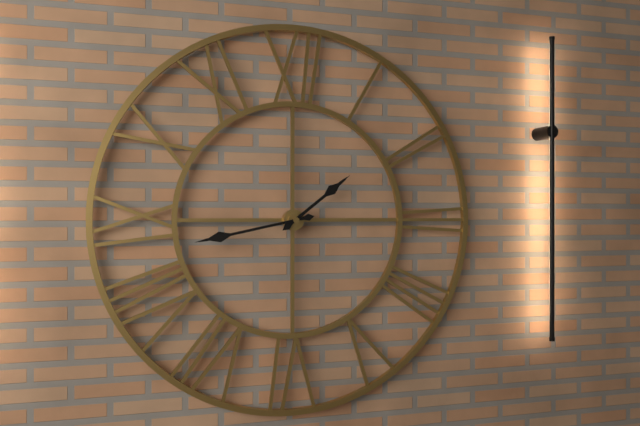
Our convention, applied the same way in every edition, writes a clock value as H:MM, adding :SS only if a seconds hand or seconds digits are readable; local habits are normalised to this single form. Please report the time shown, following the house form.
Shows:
1:43
